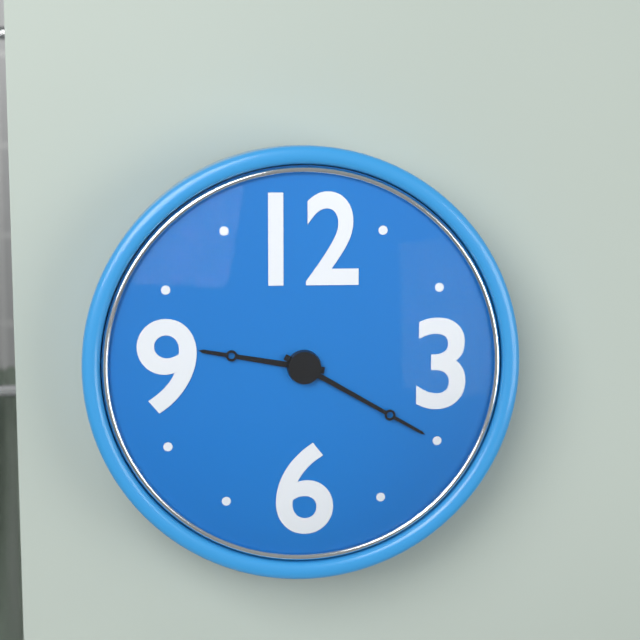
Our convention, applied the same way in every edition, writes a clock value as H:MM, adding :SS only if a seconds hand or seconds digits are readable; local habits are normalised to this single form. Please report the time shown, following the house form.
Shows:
9:20
